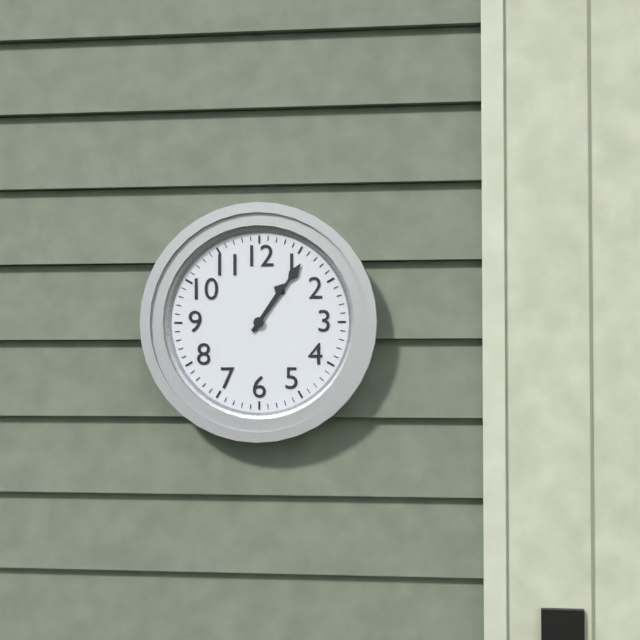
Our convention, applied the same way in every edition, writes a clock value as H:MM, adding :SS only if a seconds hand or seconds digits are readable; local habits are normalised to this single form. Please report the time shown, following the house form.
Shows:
1:06
